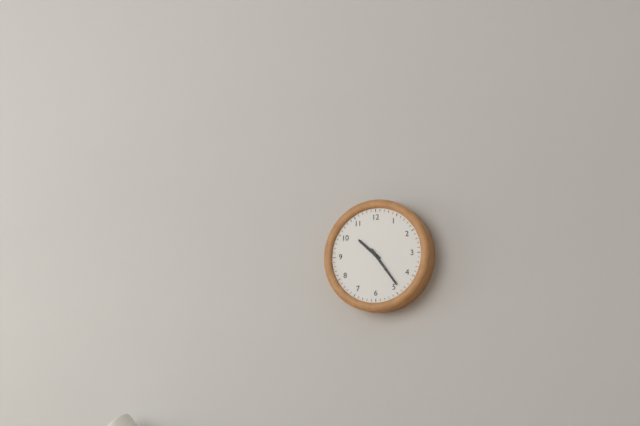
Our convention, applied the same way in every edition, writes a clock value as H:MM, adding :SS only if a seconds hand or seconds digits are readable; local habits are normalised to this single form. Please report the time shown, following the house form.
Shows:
10:24
